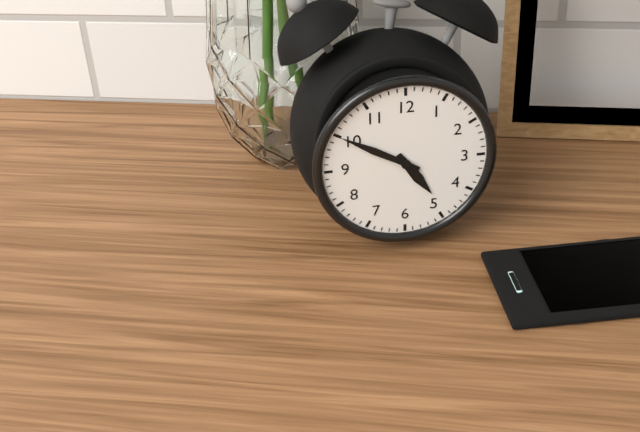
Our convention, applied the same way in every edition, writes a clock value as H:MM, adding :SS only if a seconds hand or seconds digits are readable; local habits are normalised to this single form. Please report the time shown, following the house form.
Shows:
4:50
